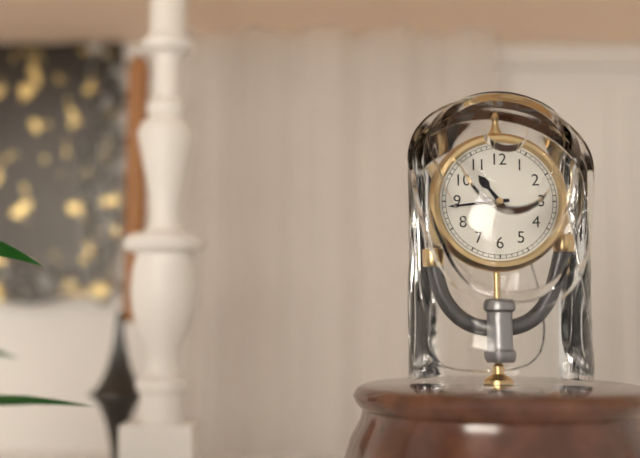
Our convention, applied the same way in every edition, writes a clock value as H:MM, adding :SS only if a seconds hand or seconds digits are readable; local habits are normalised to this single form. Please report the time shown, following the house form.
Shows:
10:44
